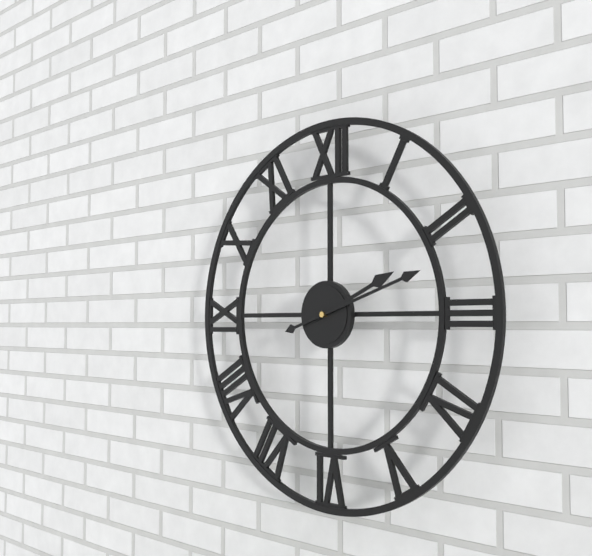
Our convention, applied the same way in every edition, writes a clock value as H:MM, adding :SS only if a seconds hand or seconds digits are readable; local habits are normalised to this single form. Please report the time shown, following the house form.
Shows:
2:12
